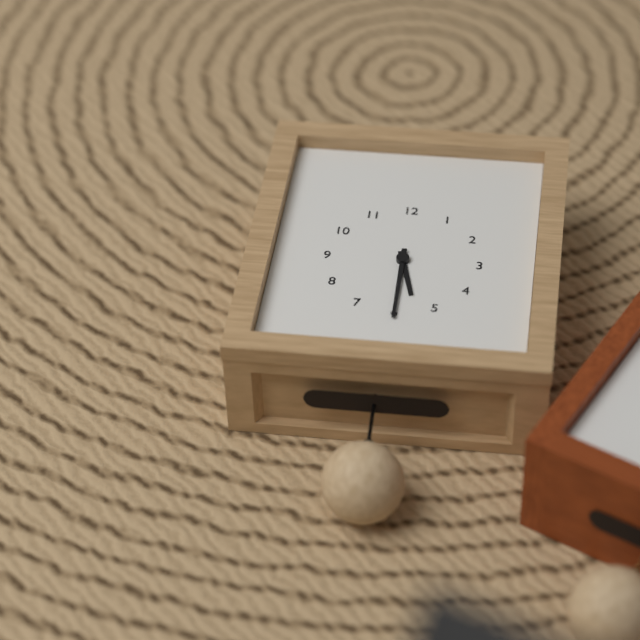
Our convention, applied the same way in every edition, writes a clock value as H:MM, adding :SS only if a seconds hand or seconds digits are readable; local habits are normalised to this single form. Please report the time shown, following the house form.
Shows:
5:30
